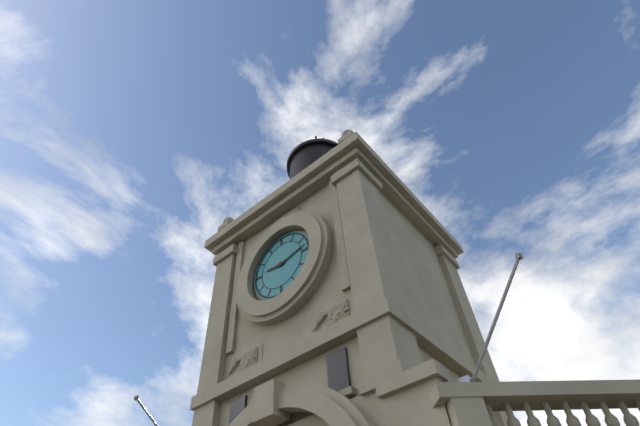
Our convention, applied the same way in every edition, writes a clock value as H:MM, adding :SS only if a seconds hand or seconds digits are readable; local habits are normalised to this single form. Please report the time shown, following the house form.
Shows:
9:13
